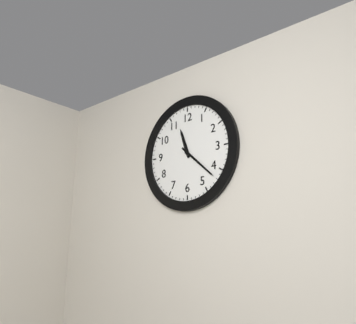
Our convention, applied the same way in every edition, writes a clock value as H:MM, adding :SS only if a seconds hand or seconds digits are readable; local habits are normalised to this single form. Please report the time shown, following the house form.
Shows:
11:22
